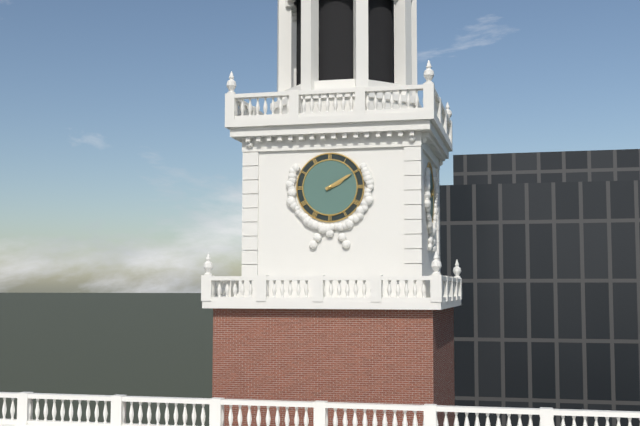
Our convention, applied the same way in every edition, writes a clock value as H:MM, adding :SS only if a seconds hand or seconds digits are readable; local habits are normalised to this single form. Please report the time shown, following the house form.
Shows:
2:10
